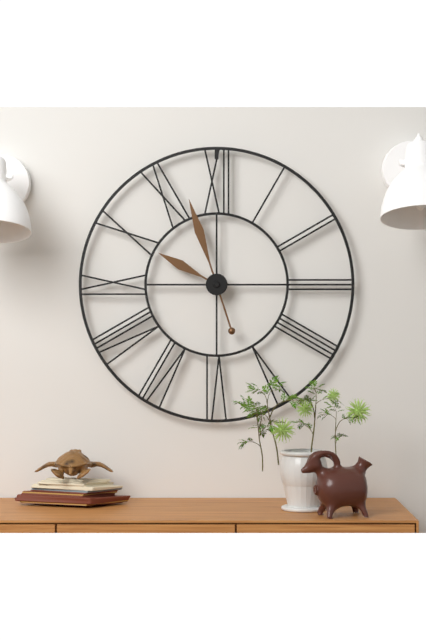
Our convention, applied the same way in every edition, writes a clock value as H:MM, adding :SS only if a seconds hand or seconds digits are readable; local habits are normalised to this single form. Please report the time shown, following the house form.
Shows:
9:57
